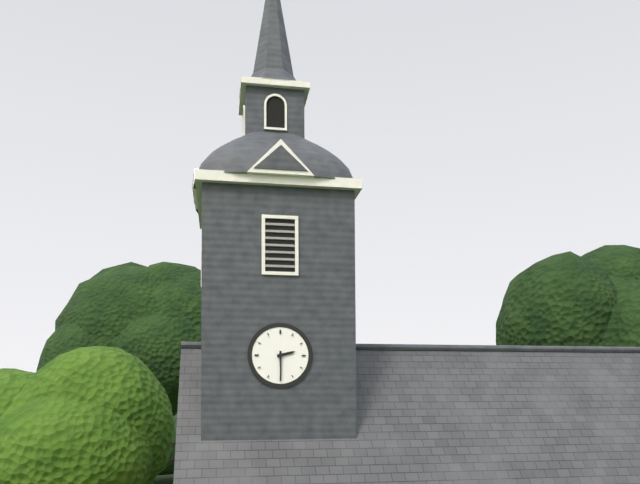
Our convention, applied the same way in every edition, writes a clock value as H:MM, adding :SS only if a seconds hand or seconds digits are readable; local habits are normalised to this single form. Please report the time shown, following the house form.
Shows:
2:30
